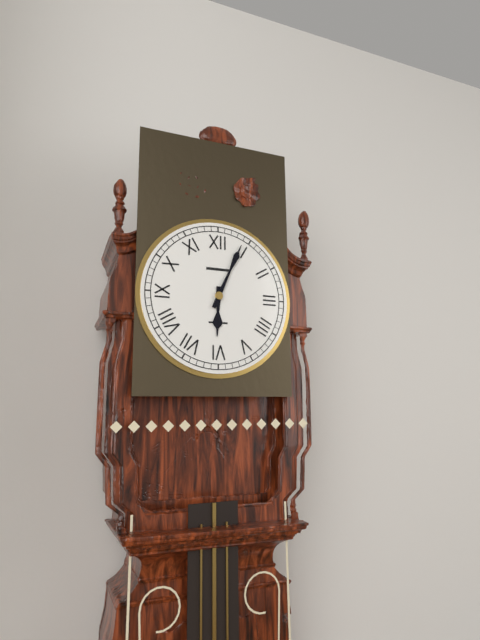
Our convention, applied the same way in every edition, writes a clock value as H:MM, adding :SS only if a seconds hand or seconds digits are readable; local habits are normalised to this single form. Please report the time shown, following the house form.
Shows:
6:04
